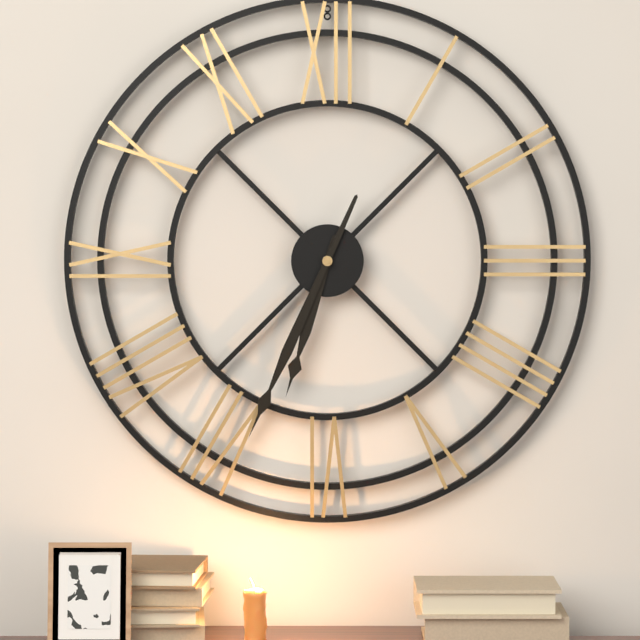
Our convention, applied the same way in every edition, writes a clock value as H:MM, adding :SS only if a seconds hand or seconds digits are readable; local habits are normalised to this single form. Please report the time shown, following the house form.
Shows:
6:34
